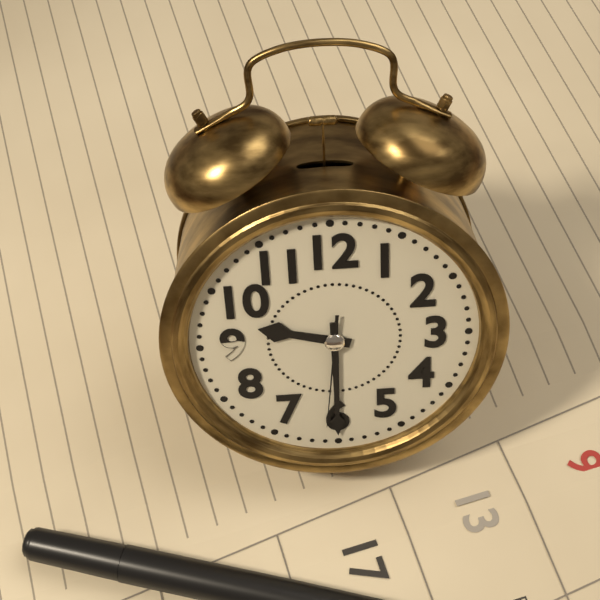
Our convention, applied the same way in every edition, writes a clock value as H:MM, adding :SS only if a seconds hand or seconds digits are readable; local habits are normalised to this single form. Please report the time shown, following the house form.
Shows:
9:30:31
